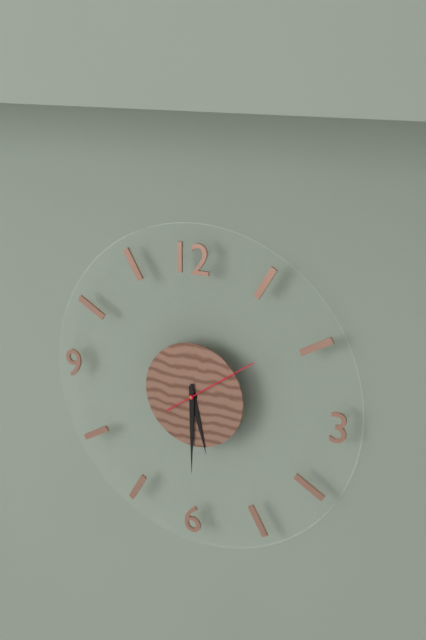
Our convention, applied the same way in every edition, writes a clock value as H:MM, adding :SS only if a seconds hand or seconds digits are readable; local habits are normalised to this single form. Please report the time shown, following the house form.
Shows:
5:30:09
